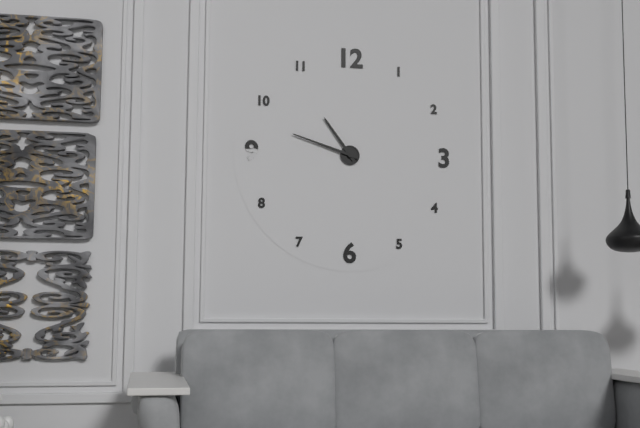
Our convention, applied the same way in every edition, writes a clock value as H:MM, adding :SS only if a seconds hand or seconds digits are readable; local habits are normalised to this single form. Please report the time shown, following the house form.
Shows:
10:48
